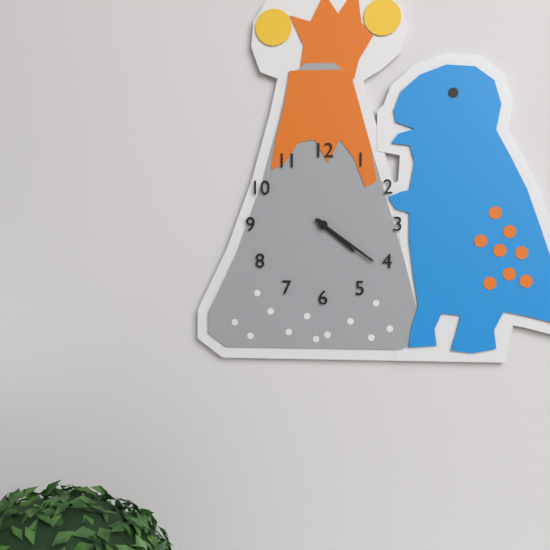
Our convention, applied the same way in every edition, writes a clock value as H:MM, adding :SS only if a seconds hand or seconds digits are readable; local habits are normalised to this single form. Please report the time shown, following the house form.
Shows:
4:21
